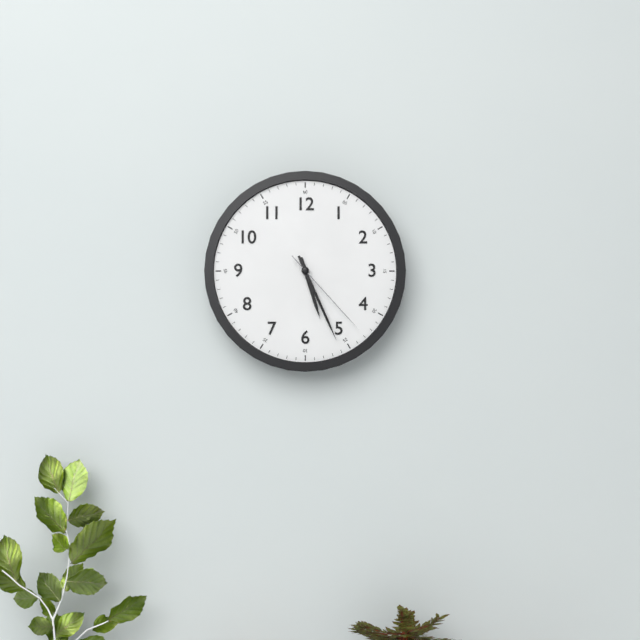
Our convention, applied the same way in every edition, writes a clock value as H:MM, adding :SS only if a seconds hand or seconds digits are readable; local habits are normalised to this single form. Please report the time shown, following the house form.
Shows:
5:26:23
